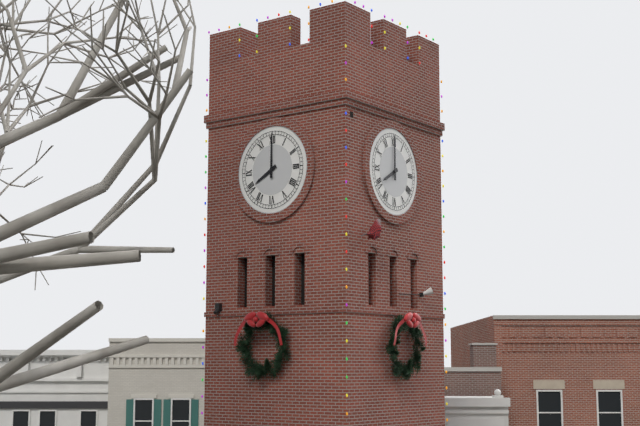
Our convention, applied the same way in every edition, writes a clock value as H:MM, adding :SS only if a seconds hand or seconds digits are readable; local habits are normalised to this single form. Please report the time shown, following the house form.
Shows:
8:00
